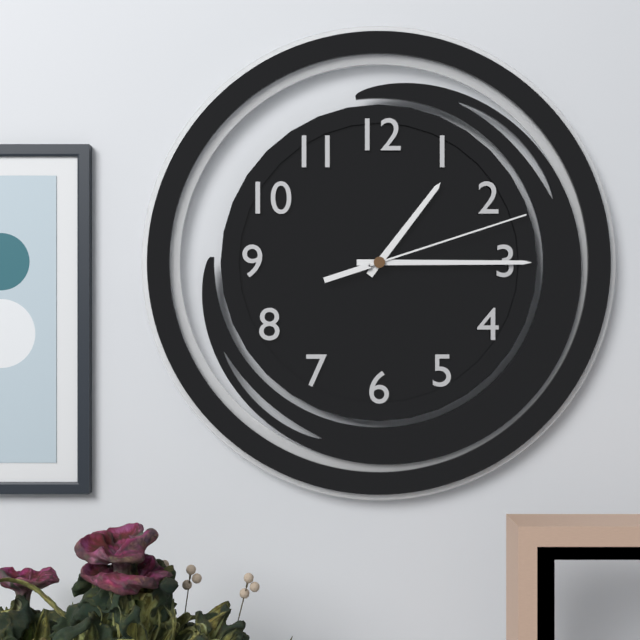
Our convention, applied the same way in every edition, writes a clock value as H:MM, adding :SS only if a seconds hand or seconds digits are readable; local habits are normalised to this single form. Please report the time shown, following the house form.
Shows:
1:15:12
